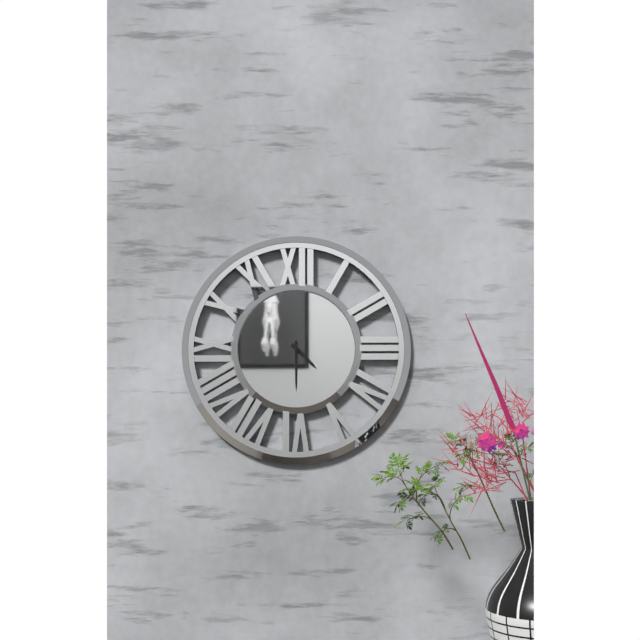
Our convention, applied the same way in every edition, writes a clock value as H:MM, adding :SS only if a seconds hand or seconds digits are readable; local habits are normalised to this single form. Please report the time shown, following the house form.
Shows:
4:30
